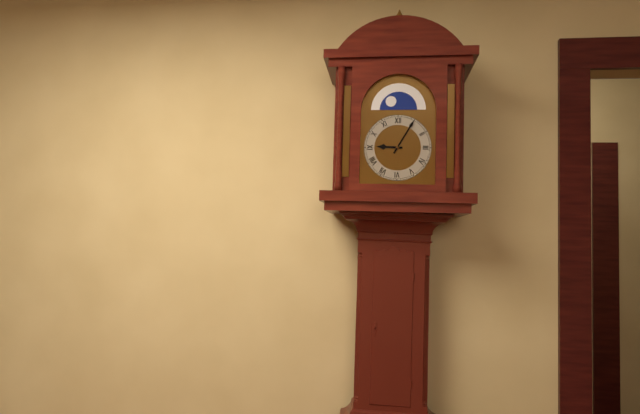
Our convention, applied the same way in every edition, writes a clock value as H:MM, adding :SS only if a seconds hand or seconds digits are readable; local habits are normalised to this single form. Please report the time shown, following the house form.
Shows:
9:05
